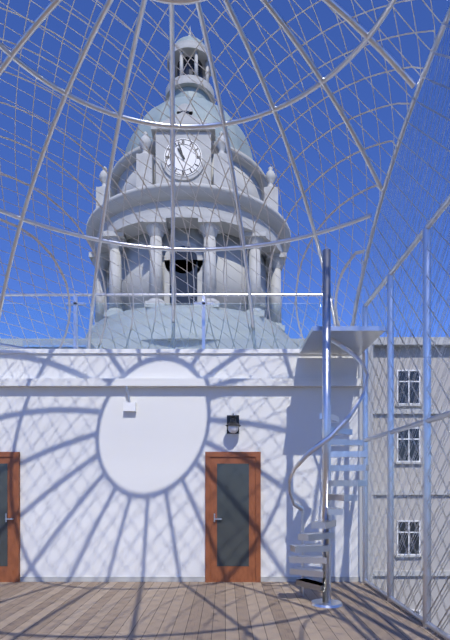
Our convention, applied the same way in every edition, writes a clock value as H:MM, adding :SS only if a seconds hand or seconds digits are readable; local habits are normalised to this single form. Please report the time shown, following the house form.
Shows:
10:57
